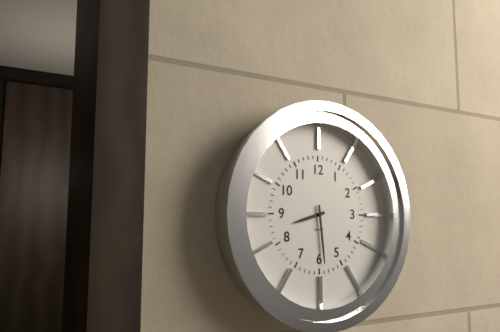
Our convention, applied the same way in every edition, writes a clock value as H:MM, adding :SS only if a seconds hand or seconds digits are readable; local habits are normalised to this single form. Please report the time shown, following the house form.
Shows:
8:29
